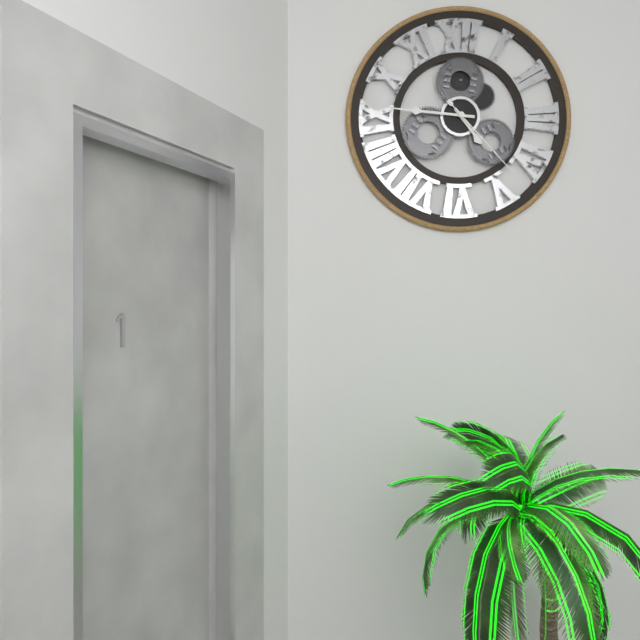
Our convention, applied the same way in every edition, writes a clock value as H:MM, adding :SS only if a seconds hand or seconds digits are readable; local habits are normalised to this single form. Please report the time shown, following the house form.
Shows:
4:46:23
